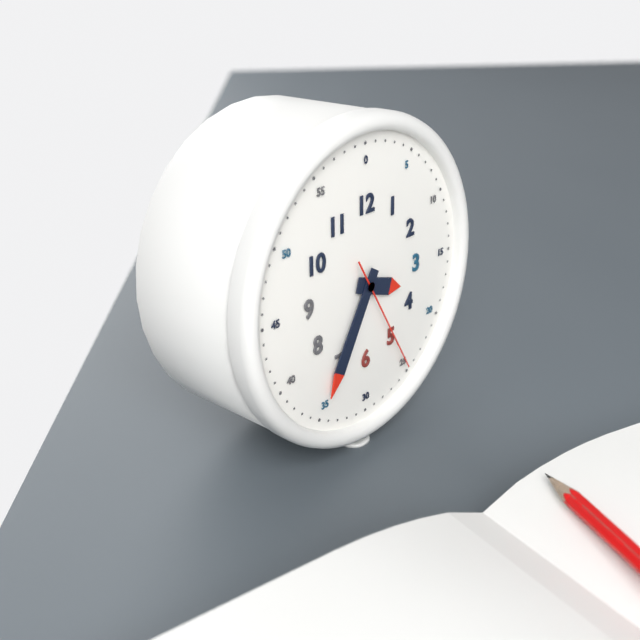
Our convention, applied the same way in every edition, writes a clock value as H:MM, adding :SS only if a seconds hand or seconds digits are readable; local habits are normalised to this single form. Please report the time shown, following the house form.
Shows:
3:35:25
